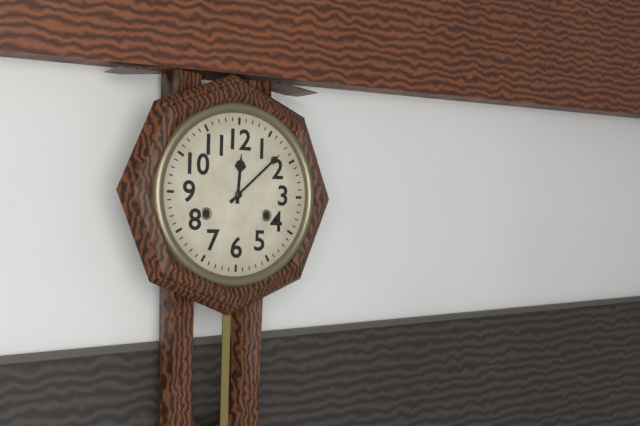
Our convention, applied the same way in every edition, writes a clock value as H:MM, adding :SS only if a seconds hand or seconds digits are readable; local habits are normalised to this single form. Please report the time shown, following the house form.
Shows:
12:08
